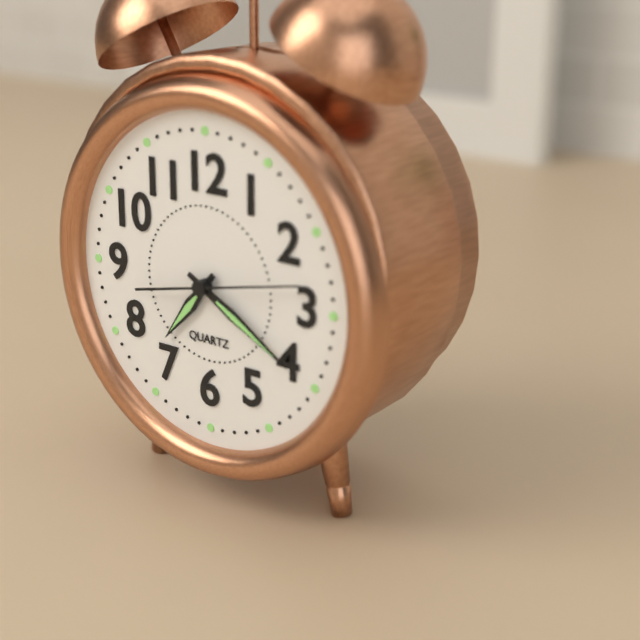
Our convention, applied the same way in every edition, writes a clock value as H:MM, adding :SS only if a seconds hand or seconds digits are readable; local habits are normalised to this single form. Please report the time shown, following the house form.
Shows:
7:20
